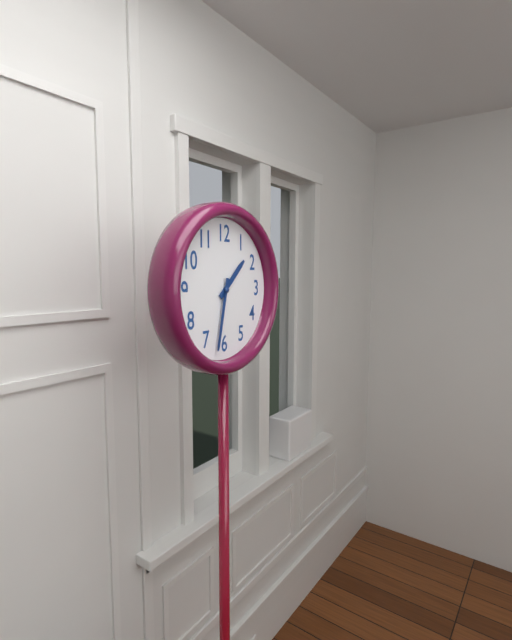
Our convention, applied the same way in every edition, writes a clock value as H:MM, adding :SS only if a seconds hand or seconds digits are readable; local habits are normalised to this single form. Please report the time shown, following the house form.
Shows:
1:32
